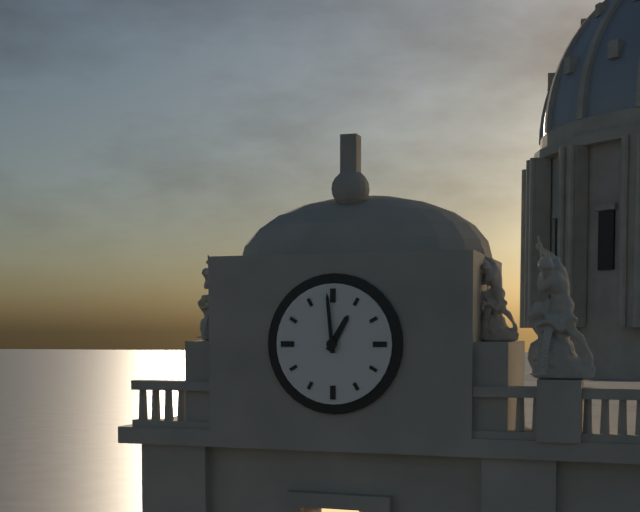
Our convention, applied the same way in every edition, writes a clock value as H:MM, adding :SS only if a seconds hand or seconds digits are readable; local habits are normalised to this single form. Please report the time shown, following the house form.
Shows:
12:59
